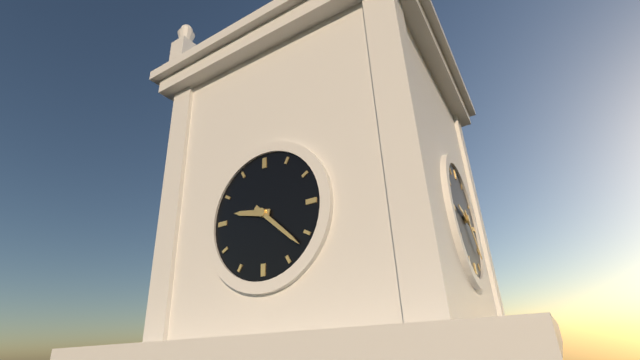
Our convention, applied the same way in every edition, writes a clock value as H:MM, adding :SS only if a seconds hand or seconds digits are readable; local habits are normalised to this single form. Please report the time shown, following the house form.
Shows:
9:22
